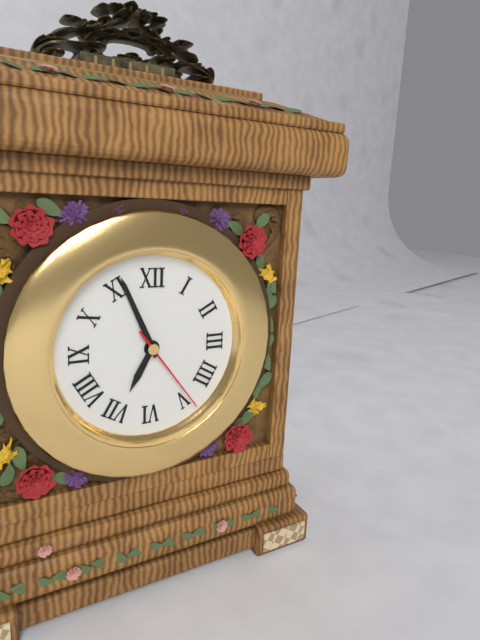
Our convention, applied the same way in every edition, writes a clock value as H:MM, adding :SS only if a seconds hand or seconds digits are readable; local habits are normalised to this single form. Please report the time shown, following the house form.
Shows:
6:56:24
